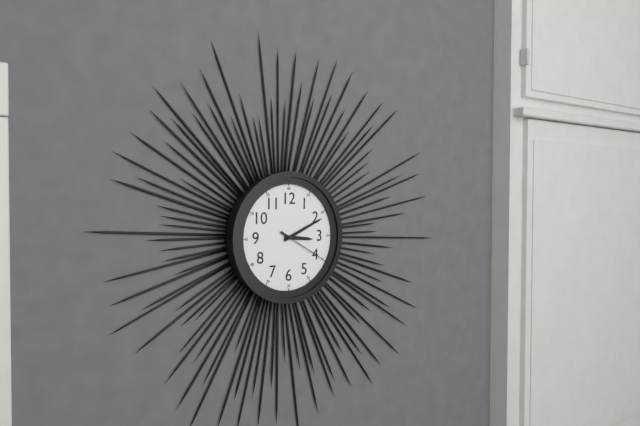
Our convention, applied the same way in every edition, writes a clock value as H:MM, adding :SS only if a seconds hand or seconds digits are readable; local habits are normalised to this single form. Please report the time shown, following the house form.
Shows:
3:11
